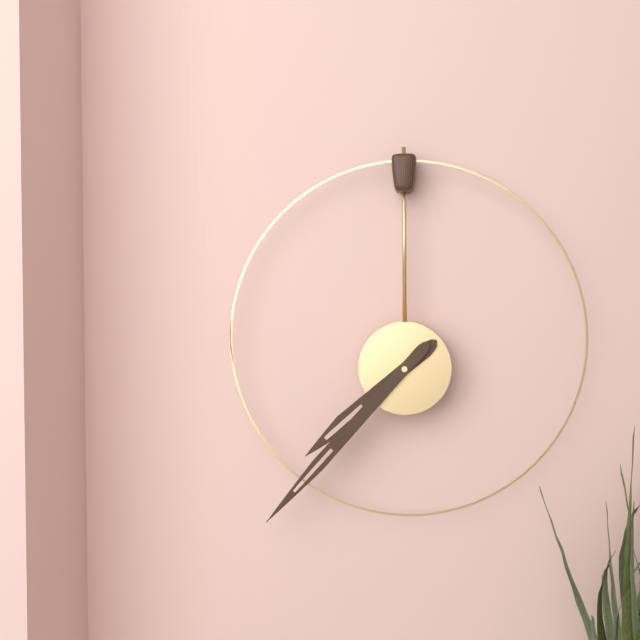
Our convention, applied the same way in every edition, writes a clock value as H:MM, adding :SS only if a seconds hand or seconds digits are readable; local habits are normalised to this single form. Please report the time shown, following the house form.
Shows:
7:37
